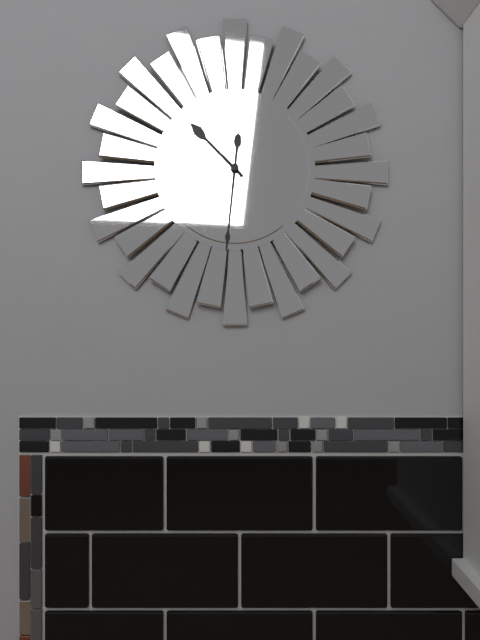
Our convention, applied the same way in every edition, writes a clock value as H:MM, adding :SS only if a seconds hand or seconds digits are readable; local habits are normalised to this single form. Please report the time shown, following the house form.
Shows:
10:31
